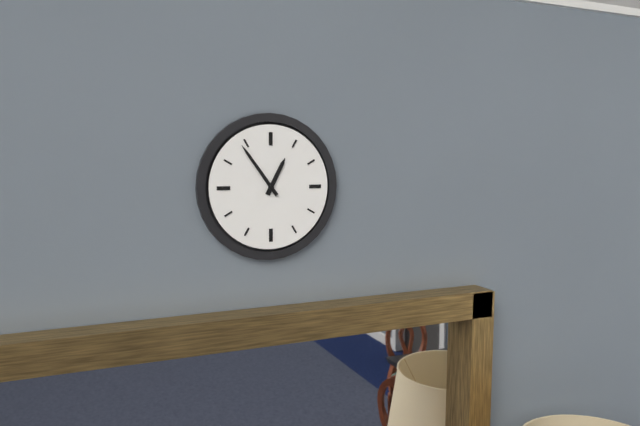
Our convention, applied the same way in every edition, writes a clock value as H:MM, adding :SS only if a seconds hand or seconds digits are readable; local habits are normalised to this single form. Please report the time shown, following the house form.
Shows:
12:54
